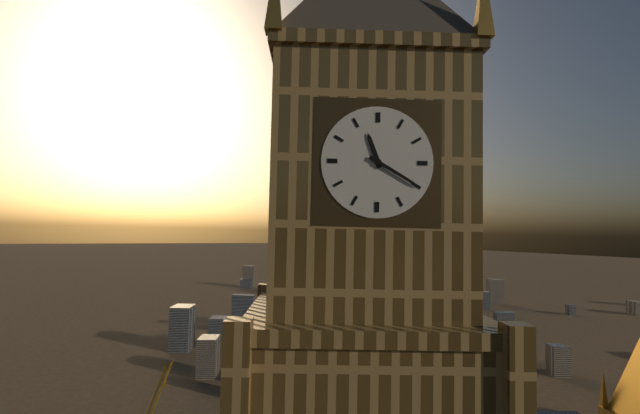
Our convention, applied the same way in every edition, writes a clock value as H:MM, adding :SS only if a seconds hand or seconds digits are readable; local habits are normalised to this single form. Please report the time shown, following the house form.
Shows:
11:20
